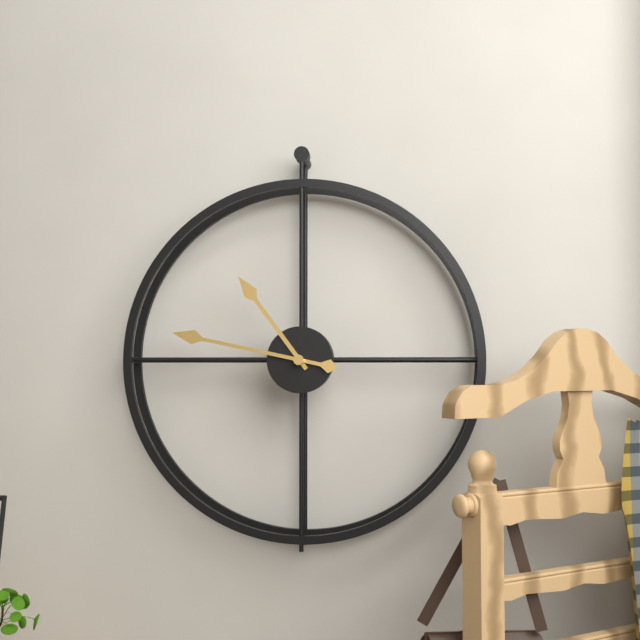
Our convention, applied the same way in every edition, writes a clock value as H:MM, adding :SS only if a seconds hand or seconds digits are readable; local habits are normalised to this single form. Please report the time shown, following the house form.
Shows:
10:47
